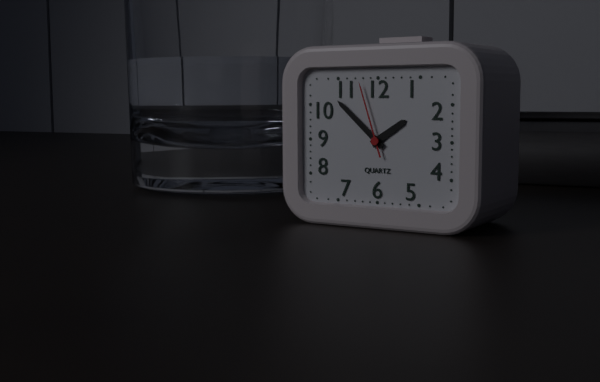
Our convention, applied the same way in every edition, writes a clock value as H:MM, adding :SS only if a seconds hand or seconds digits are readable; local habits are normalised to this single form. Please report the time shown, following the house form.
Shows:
1:52:57
